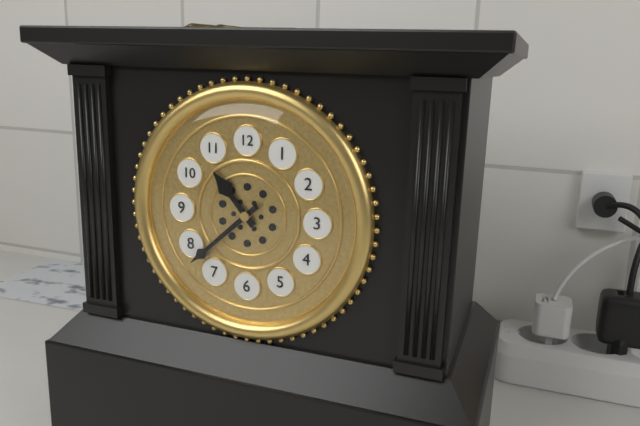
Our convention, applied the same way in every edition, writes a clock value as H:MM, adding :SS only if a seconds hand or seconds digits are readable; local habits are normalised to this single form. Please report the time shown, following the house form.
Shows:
10:38
